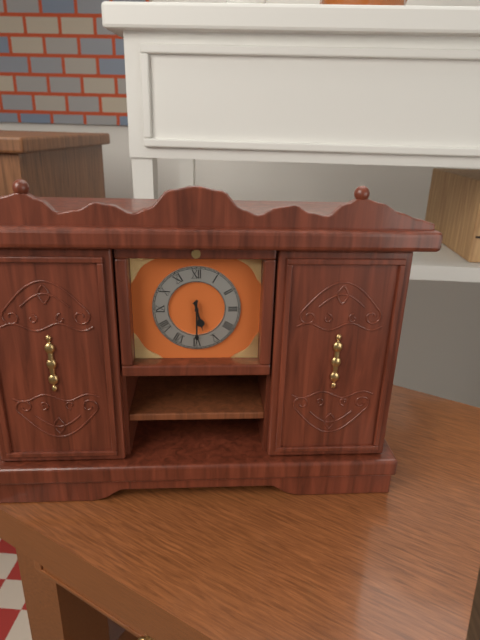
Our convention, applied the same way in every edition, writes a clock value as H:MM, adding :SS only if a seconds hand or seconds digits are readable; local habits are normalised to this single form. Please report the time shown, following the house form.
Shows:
5:30
